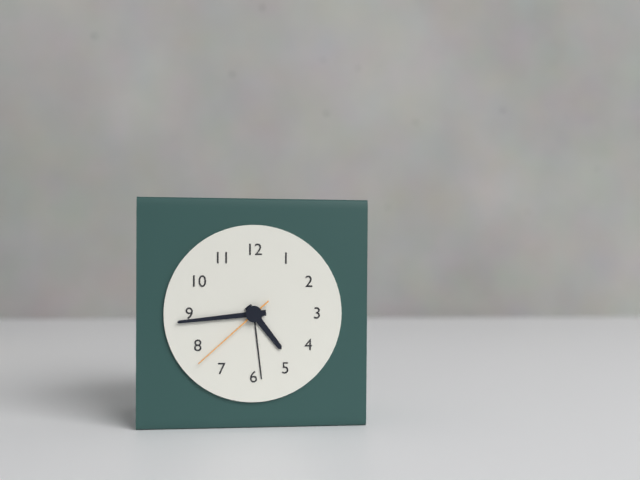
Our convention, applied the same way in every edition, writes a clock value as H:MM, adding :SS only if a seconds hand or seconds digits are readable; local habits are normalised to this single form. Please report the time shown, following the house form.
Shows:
4:44:38
